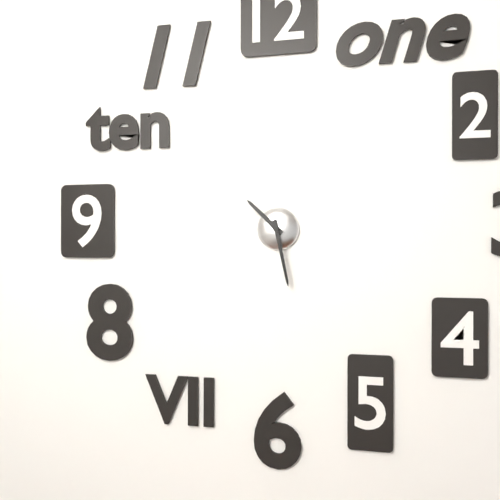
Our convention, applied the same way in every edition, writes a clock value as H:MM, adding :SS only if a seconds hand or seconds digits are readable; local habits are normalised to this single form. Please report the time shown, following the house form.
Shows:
10:28
